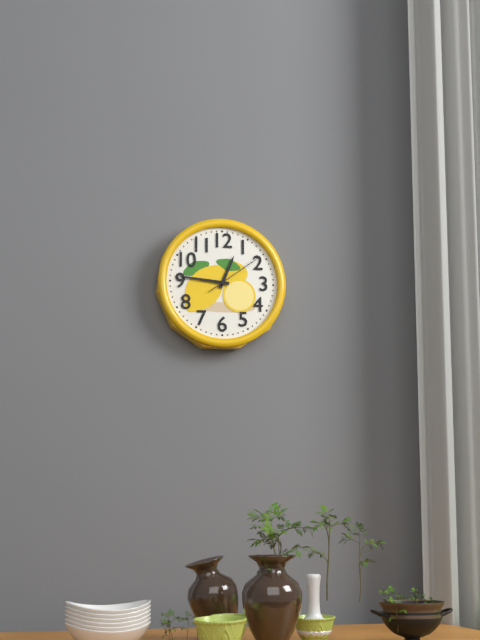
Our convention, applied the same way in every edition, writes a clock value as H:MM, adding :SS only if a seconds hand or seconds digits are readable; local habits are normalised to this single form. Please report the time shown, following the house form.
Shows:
12:46:09
